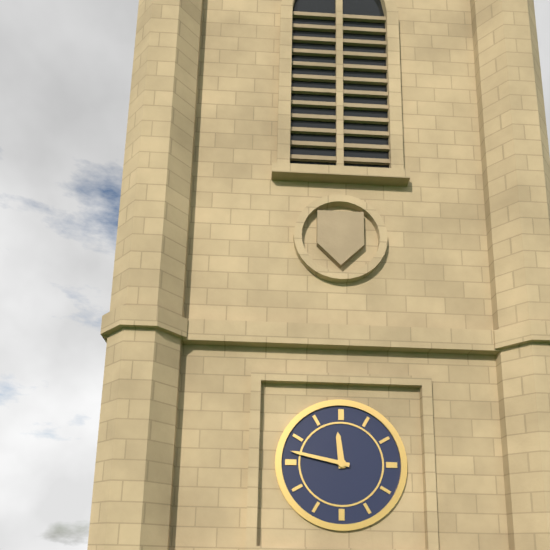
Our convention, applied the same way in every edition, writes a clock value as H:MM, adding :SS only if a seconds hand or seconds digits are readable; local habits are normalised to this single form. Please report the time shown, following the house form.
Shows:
11:47
